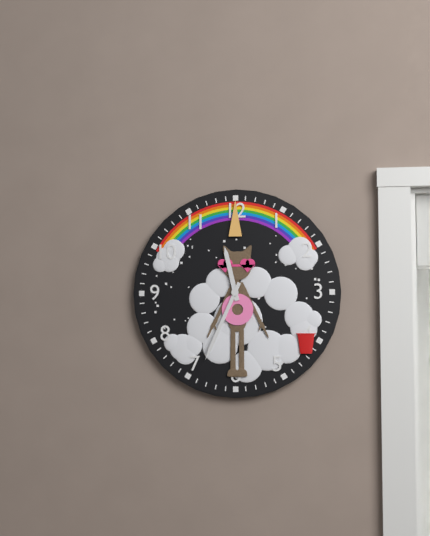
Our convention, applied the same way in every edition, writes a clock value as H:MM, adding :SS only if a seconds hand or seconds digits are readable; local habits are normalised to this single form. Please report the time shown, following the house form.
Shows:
11:34
